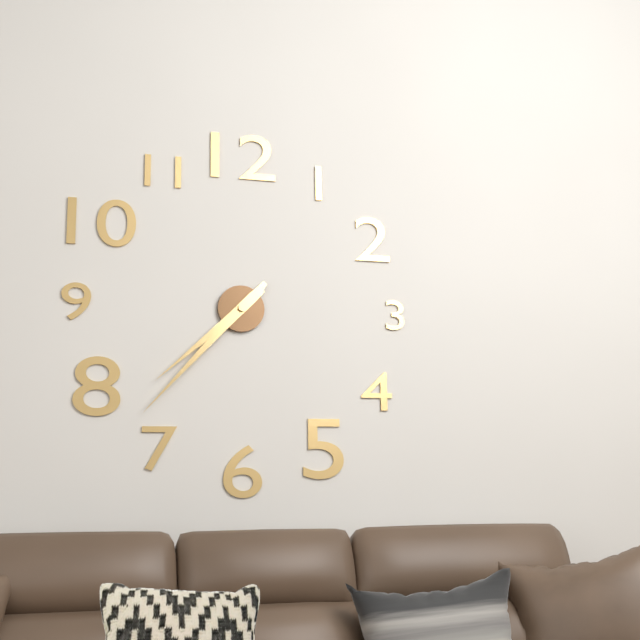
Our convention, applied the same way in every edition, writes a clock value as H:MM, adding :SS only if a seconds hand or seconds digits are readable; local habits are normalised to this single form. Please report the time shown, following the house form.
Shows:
7:37
